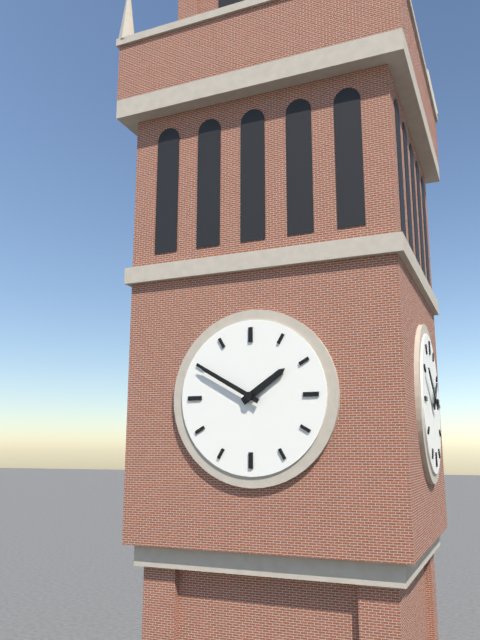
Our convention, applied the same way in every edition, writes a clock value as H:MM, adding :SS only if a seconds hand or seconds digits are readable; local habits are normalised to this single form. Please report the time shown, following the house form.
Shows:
1:50
